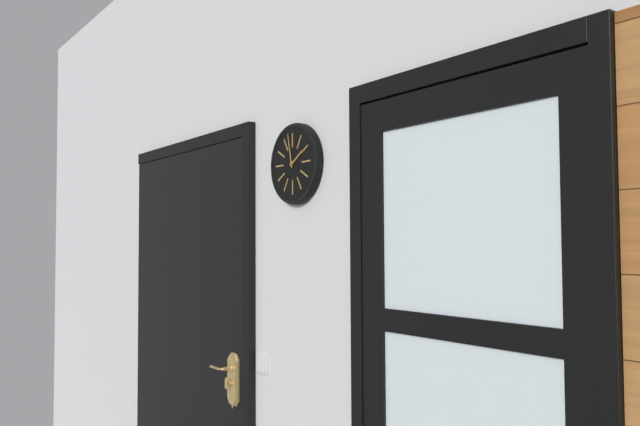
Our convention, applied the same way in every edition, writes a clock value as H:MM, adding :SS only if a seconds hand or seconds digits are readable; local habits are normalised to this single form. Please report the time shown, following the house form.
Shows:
1:58
